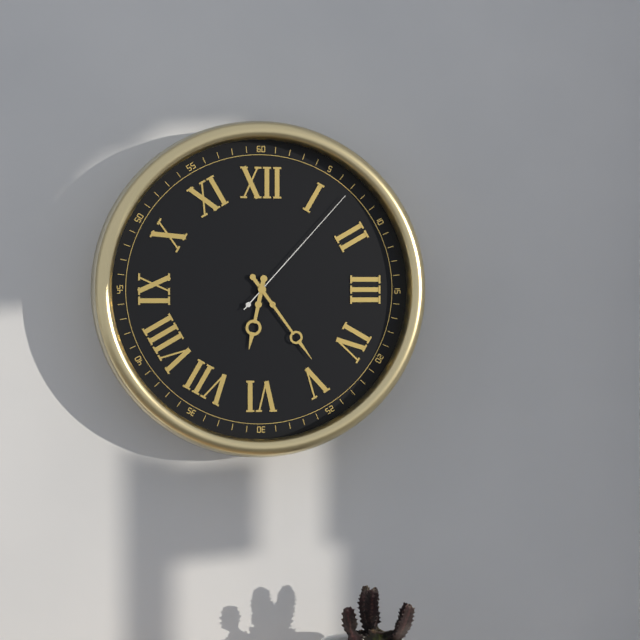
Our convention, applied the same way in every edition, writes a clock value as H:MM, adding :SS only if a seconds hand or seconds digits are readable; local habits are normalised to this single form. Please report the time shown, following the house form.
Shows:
6:24:07
